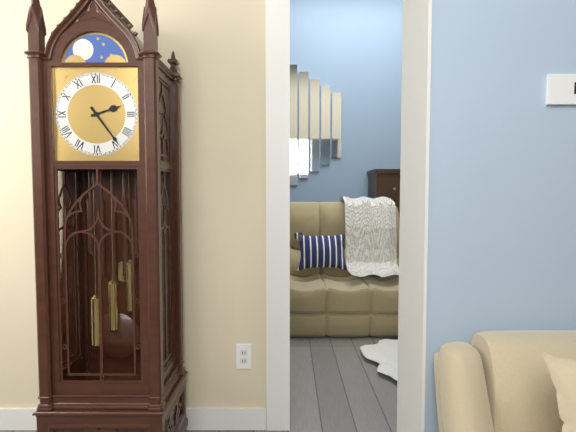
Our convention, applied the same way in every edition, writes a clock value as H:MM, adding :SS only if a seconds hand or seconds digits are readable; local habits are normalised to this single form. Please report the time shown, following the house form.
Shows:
2:24
